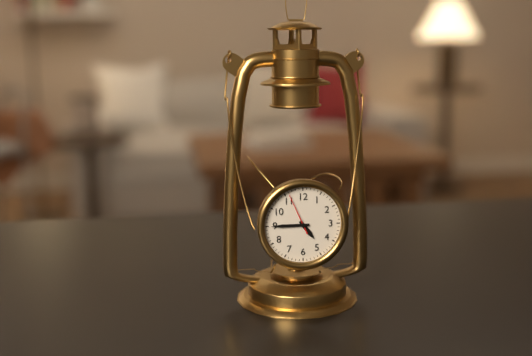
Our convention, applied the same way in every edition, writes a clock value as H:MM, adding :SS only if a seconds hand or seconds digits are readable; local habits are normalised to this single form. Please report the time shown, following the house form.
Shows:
4:45
